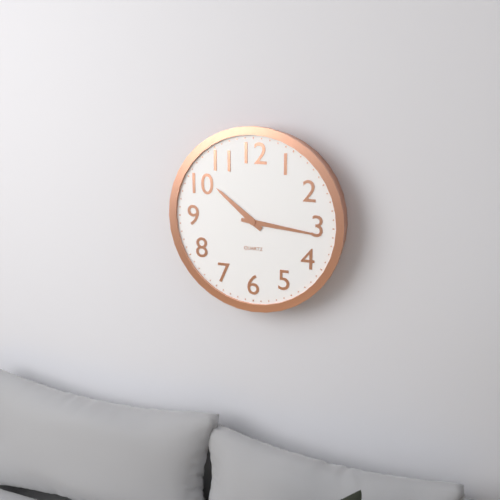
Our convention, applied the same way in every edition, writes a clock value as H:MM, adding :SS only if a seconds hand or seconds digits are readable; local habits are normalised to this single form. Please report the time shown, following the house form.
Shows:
10:16
